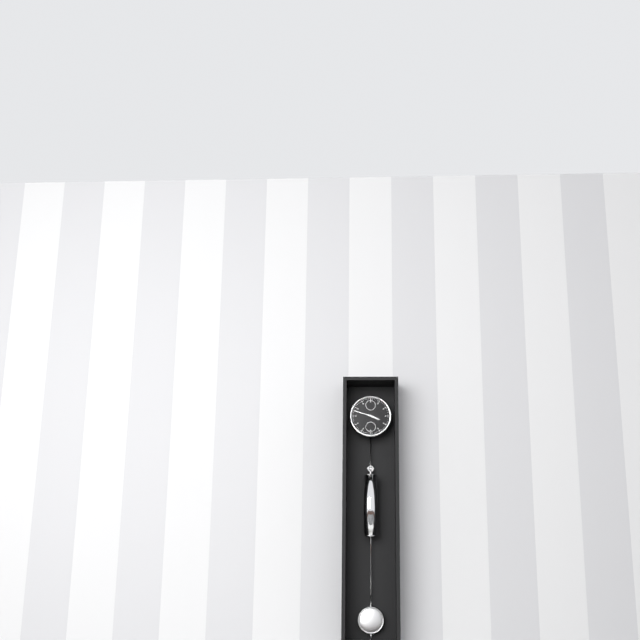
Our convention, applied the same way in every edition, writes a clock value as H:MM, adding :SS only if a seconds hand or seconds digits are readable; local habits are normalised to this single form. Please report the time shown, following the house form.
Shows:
3:48
